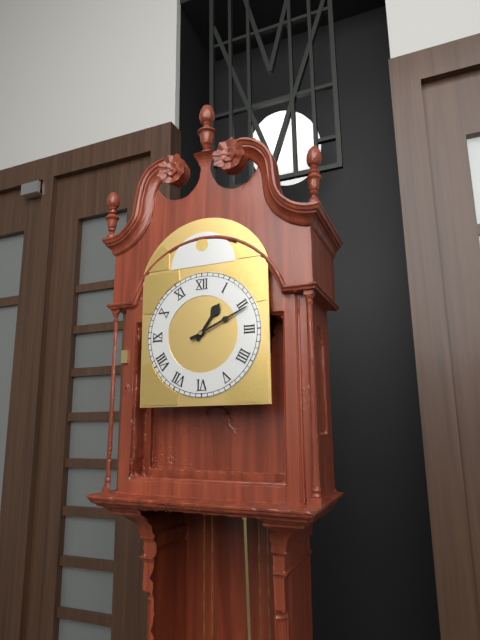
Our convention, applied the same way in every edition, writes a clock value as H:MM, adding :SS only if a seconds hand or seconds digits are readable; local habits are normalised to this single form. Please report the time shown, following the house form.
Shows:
1:11
